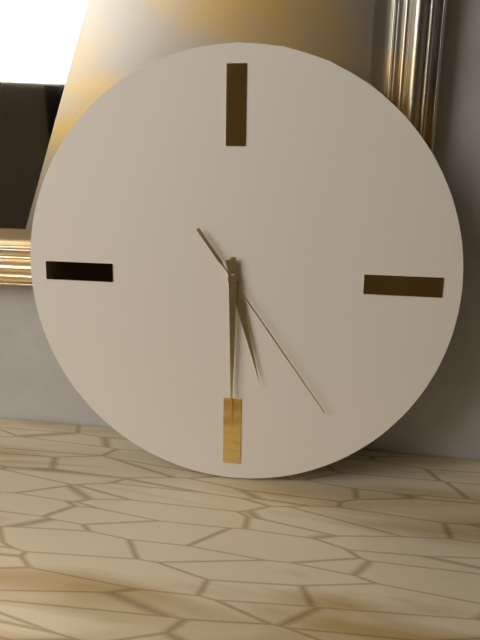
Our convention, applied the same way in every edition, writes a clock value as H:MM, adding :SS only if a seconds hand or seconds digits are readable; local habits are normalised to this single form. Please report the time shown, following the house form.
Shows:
5:30:24
